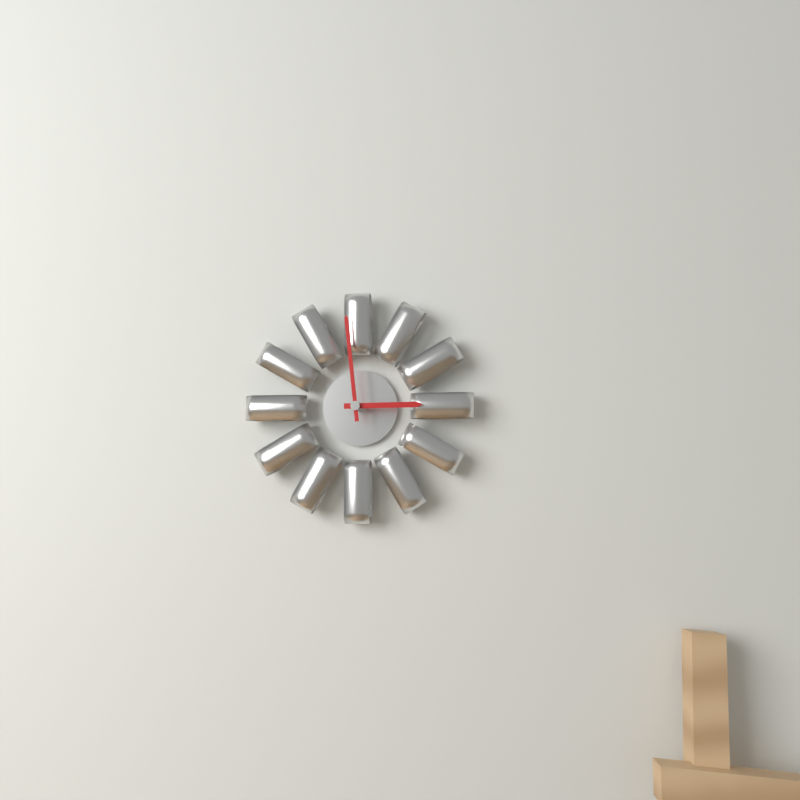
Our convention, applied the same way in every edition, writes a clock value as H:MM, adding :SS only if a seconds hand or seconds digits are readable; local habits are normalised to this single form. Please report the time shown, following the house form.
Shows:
2:59
